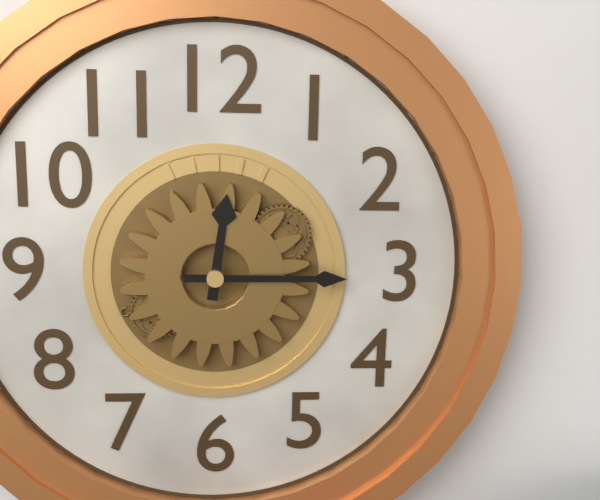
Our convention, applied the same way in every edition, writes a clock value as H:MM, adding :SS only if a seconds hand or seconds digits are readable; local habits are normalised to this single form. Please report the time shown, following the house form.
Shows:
12:15
